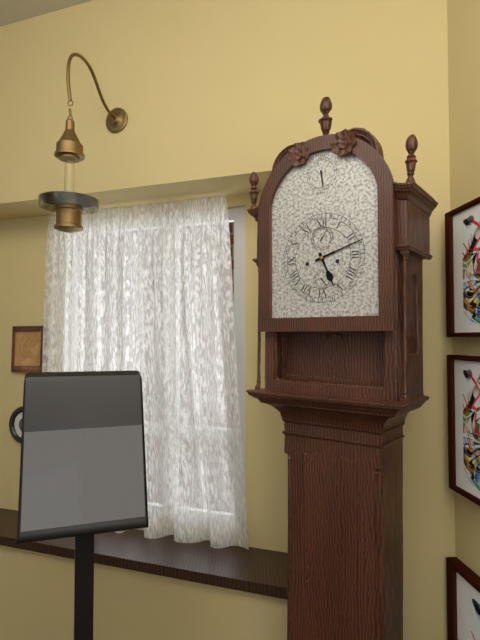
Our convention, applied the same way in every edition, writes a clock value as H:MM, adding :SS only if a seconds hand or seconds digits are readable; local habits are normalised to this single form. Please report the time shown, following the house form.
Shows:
5:12
